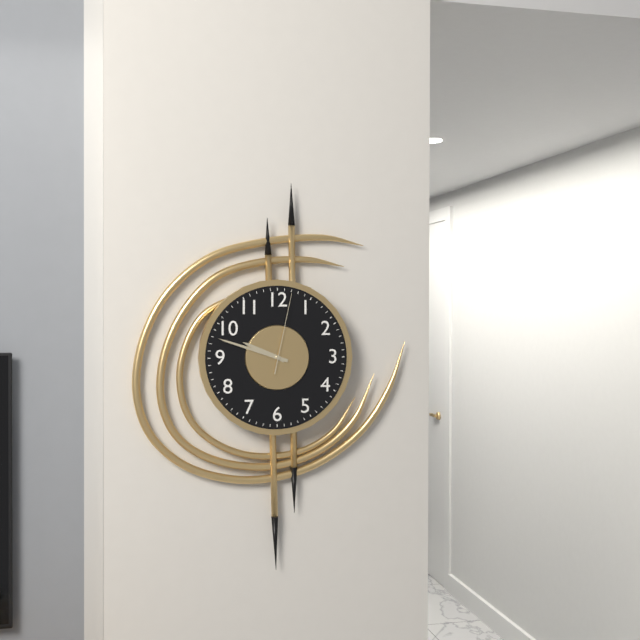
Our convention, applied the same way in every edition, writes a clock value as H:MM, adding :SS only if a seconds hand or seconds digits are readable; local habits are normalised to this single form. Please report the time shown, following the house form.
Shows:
9:48:02
